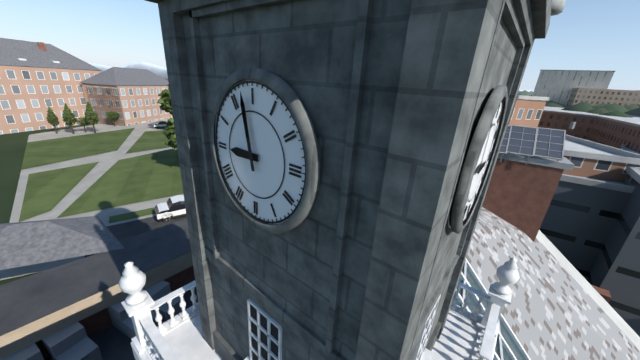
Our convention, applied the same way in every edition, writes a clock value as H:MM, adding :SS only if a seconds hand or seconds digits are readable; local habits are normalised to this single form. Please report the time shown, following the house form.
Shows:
8:58
